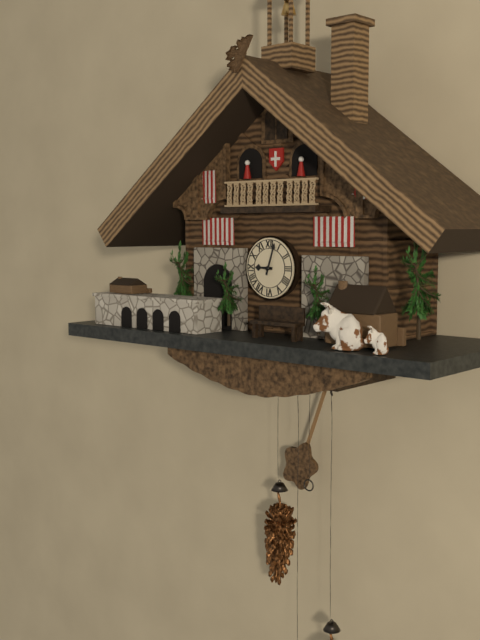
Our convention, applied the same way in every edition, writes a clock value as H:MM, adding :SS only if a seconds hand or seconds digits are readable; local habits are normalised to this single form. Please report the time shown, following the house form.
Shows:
9:03
